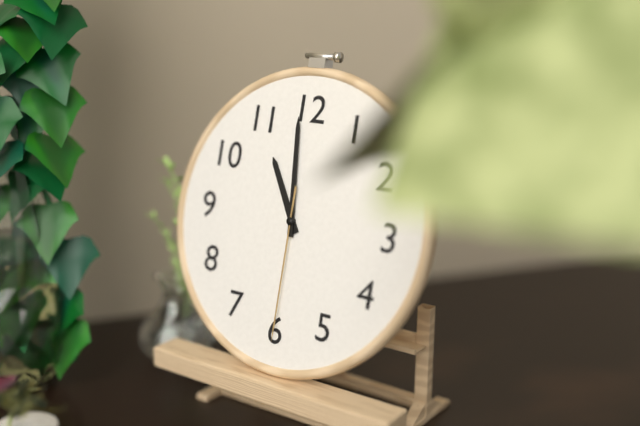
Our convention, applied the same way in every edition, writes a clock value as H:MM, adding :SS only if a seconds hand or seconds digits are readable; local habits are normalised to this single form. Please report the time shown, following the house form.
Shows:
10:59:30
